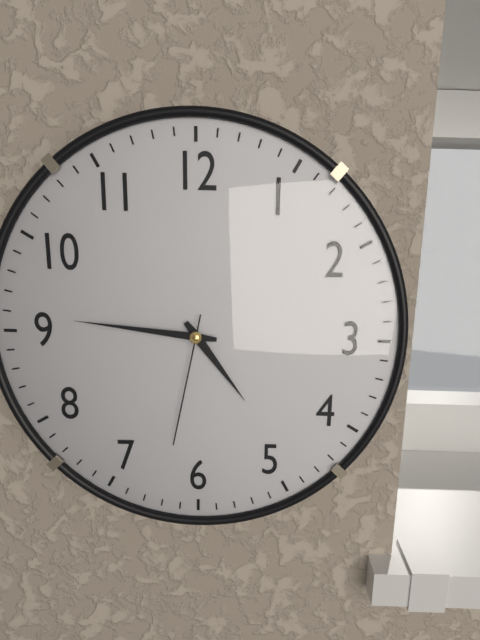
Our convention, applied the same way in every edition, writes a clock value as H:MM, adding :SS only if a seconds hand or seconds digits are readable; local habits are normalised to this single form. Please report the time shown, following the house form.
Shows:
4:46:32
